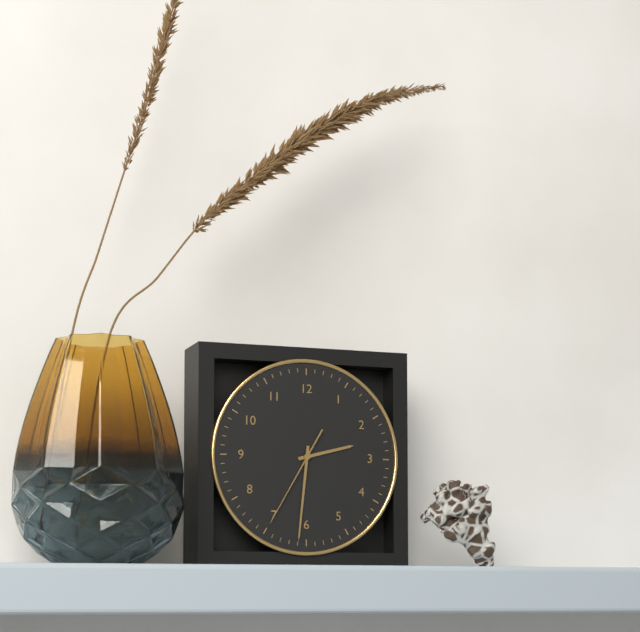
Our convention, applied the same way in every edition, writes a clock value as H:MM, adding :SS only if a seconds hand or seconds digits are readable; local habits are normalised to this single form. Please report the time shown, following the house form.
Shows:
2:31:35
